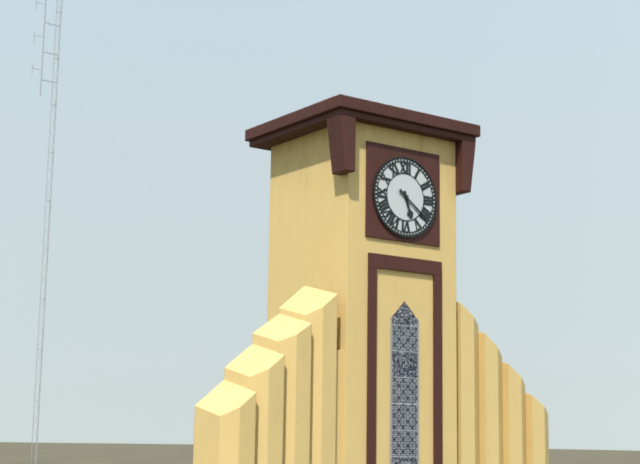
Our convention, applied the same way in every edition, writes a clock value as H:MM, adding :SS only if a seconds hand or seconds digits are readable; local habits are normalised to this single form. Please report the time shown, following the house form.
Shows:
5:21
